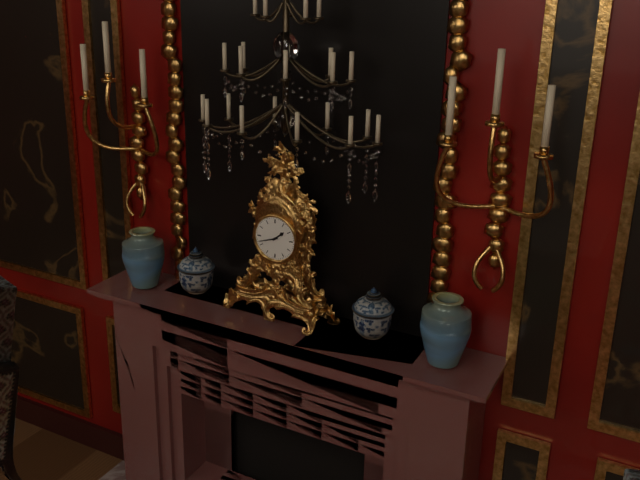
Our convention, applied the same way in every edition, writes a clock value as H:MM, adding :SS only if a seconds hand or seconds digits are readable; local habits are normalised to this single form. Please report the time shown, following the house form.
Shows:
1:42
